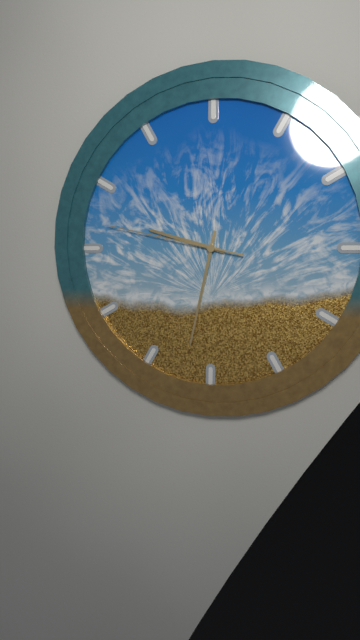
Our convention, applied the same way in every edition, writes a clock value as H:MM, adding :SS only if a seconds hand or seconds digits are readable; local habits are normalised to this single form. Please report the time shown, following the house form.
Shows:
9:32:47
